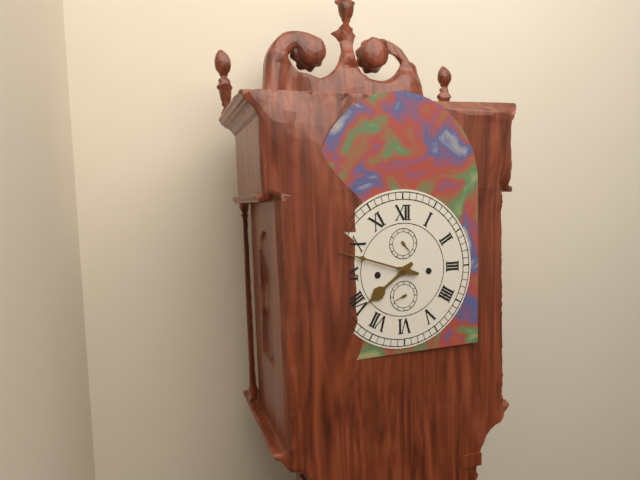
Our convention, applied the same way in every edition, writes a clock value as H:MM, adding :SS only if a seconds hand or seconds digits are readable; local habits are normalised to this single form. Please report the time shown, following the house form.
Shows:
7:48
